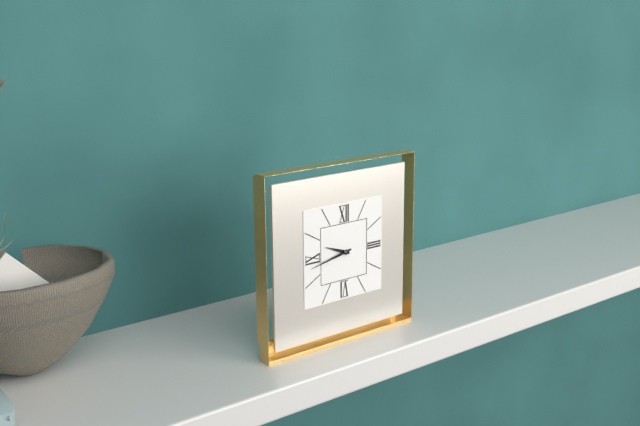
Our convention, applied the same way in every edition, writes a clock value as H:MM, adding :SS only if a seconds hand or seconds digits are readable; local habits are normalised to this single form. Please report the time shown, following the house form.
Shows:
9:43
